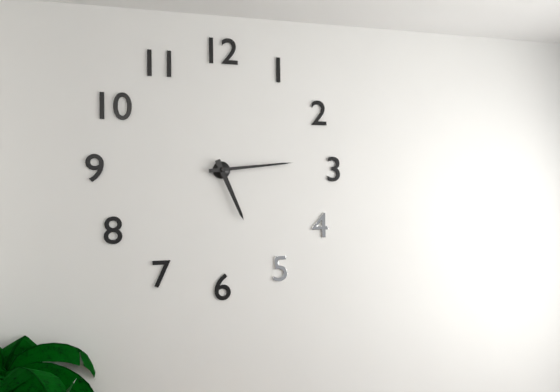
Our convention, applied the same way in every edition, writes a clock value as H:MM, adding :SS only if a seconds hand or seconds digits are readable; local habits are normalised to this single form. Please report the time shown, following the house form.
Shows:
5:14
